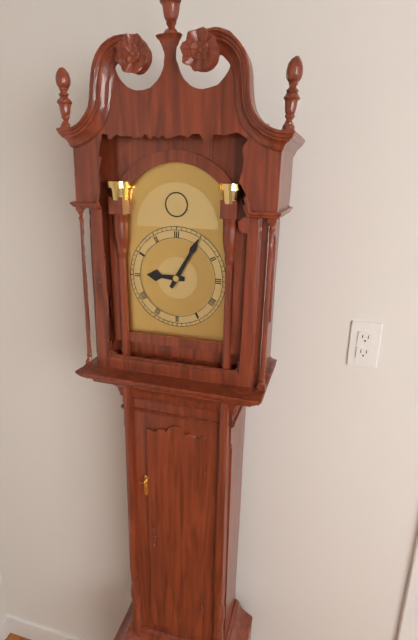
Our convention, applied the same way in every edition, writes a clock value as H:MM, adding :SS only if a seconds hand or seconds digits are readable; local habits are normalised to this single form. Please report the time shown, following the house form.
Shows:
9:05
